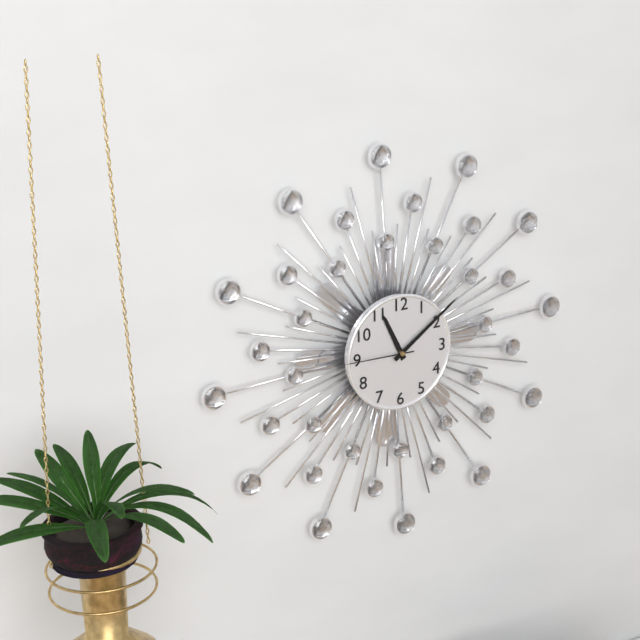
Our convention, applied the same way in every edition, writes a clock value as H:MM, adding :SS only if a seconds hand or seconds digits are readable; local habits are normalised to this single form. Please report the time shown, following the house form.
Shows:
11:09:45
